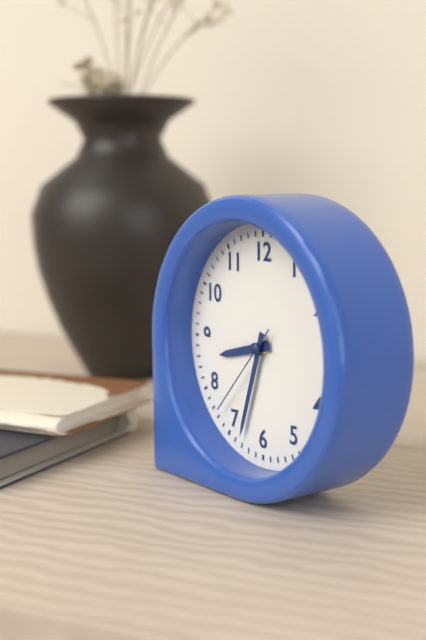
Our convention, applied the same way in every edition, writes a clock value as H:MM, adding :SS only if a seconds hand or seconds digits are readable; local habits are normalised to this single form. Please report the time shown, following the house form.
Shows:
8:33:37
